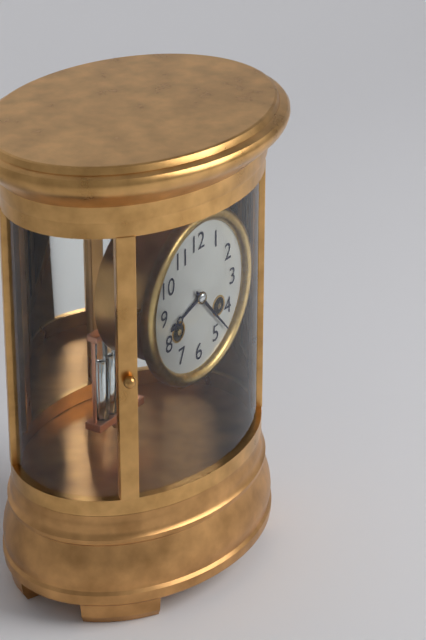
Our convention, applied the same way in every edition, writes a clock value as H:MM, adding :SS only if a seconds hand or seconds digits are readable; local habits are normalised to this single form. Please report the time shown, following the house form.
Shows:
8:23
